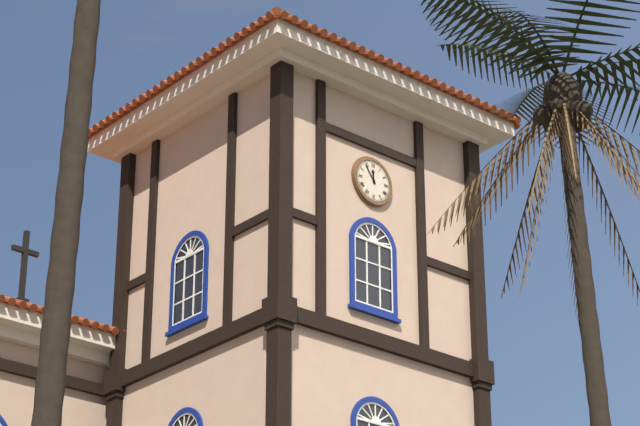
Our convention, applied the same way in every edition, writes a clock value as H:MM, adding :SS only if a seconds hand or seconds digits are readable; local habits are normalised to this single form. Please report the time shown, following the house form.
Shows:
11:54
